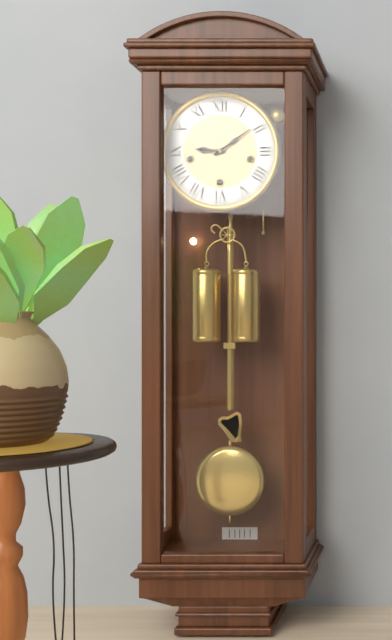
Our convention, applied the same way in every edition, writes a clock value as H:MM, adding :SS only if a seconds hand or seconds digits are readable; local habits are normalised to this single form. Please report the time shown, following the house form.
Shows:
9:09
